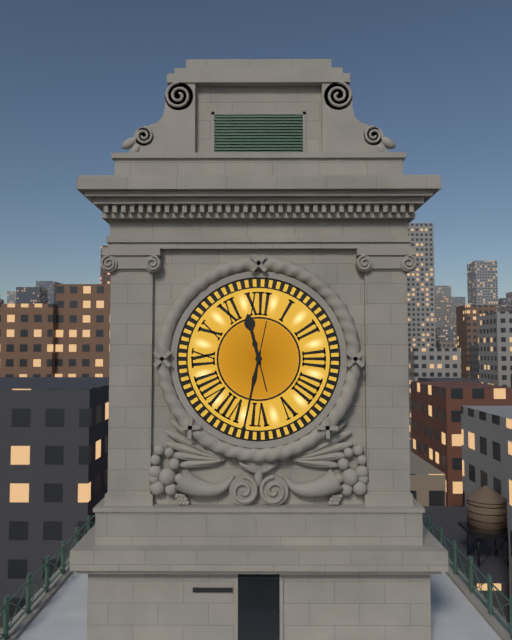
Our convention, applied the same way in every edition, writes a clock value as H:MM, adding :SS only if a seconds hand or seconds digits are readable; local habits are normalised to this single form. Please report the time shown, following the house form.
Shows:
11:32
